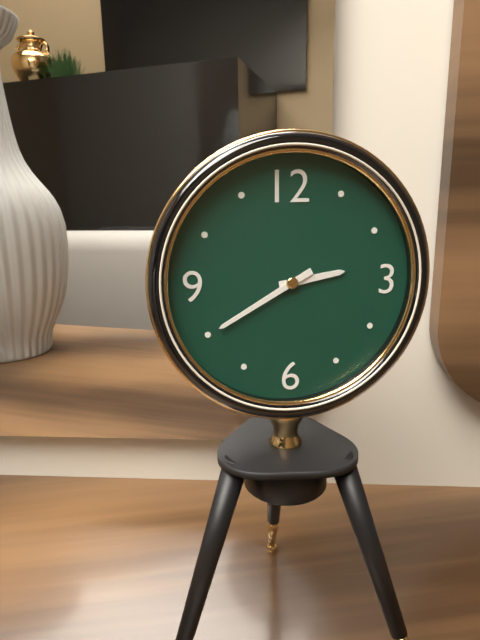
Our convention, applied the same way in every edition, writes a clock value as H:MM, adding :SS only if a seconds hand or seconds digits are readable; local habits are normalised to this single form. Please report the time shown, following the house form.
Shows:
2:40
